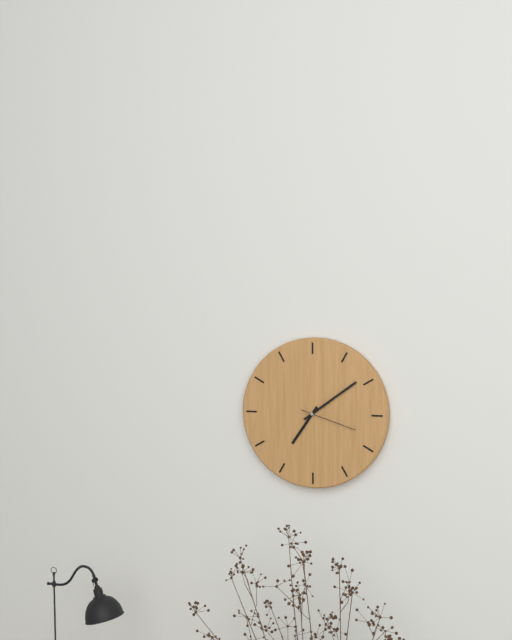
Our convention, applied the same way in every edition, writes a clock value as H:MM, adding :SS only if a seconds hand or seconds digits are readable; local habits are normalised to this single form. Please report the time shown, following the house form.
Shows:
7:09:18
